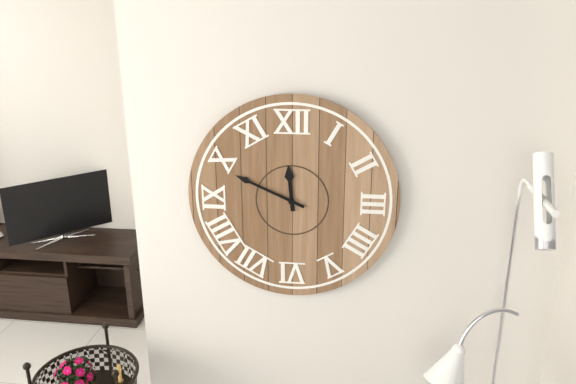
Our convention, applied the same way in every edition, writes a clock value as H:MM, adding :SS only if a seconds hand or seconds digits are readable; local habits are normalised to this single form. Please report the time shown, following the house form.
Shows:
11:49
